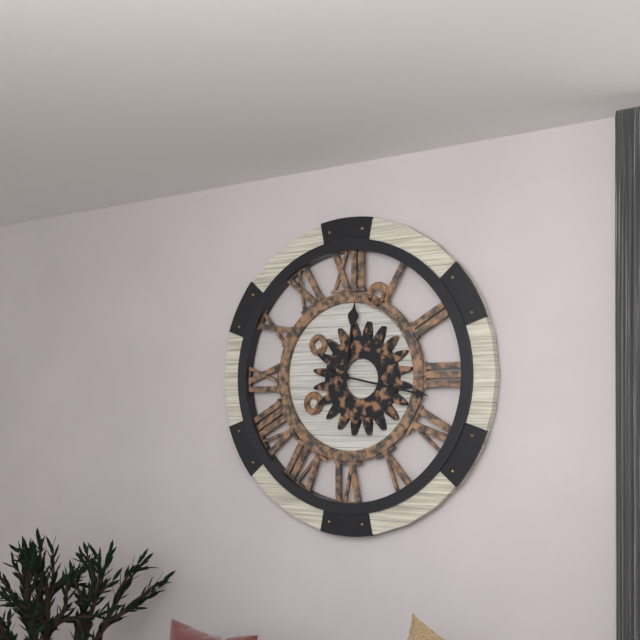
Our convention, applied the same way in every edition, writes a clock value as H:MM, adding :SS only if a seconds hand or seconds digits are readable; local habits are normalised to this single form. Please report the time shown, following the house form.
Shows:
12:17
